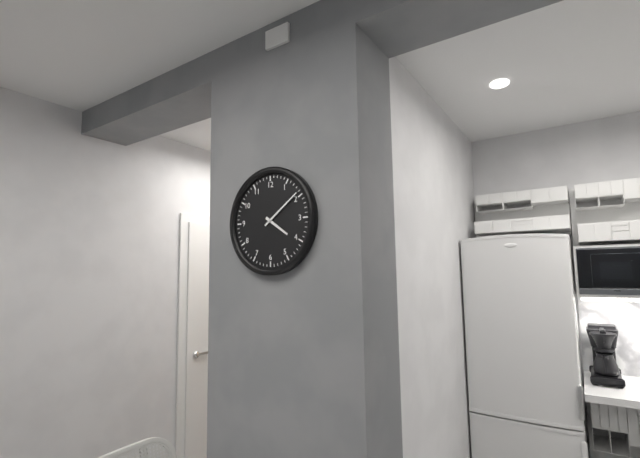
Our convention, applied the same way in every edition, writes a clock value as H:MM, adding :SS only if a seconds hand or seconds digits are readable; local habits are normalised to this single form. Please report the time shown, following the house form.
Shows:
4:09
